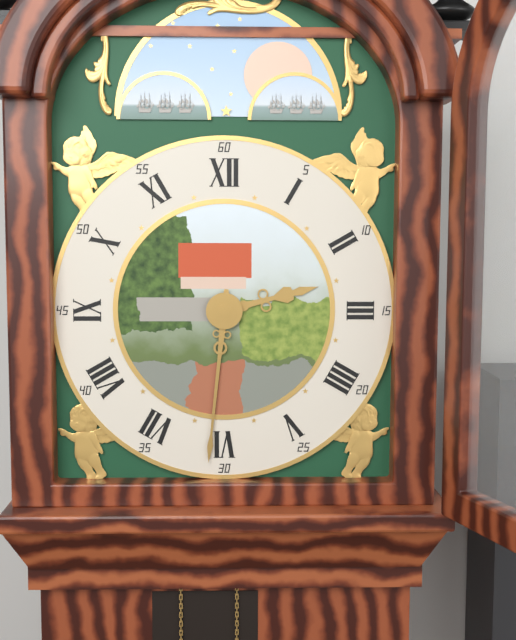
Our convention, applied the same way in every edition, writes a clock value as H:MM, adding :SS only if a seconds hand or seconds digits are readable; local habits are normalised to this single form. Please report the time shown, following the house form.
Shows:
2:31
